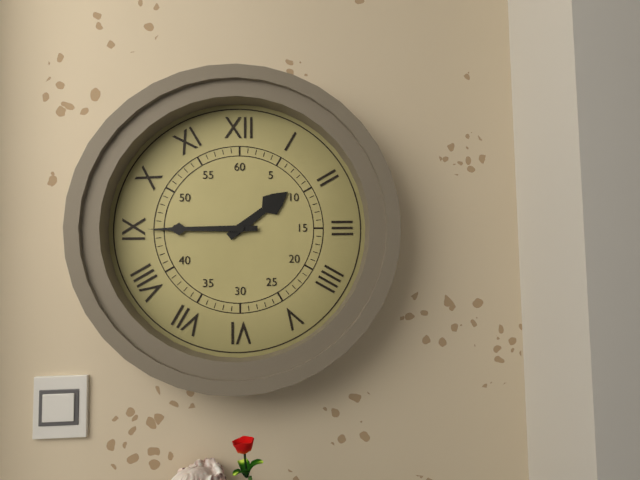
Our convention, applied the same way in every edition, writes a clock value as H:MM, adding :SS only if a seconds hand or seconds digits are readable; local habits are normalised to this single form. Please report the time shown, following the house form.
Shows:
1:45
